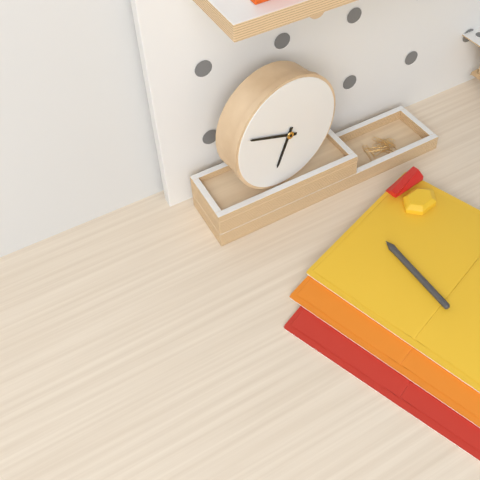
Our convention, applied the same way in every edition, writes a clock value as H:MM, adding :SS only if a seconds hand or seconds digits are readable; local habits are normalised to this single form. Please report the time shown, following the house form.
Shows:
6:49
